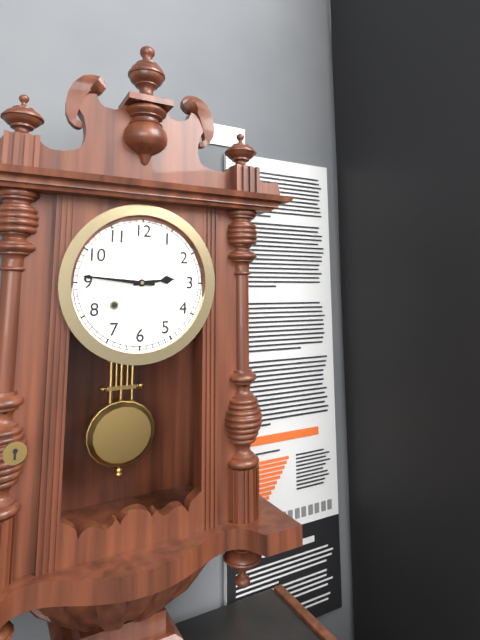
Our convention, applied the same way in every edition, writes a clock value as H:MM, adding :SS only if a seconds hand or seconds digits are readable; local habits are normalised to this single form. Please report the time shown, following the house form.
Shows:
2:46
